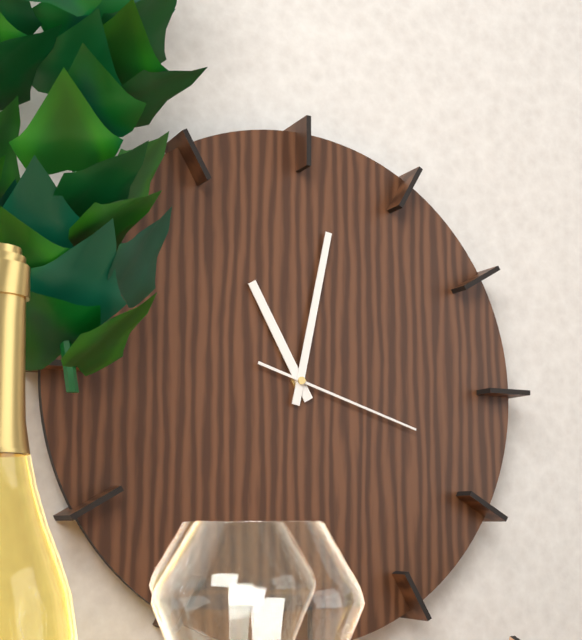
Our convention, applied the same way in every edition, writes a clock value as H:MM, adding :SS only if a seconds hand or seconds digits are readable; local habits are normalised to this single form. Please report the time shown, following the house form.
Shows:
11:02:18
